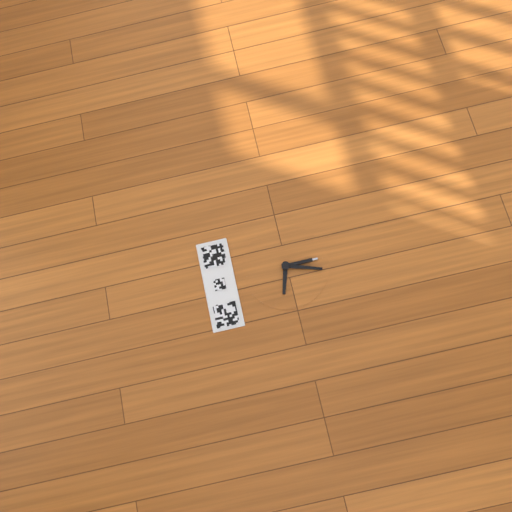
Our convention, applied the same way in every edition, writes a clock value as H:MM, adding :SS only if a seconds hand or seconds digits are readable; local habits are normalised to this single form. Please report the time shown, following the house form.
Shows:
9:33
